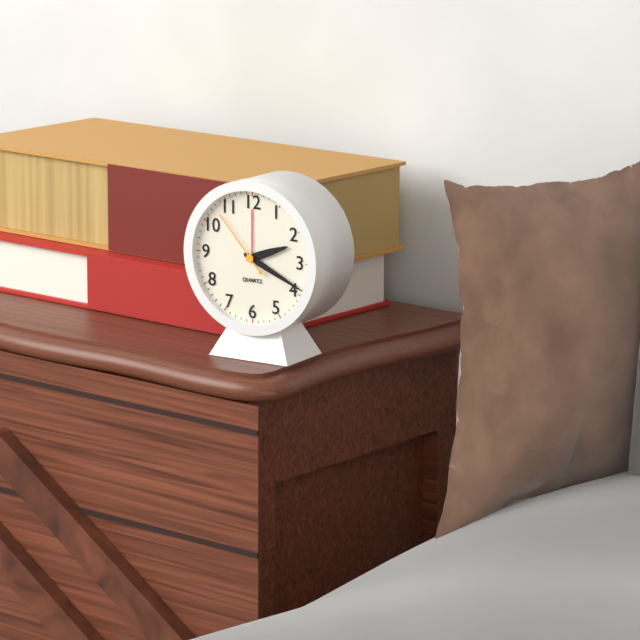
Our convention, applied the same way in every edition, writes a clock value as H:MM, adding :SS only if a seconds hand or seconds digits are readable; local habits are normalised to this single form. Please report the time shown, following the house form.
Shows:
2:19:53
